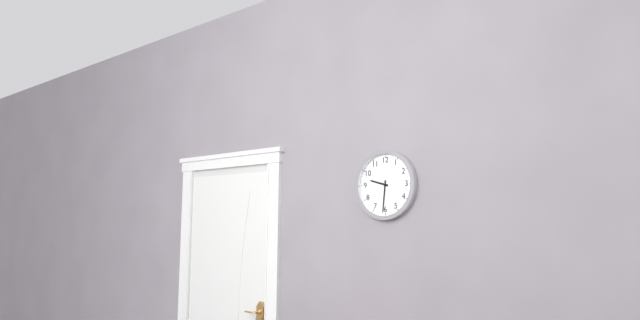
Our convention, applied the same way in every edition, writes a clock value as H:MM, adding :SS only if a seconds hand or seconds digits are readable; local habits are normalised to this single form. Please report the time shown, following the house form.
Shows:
9:31
